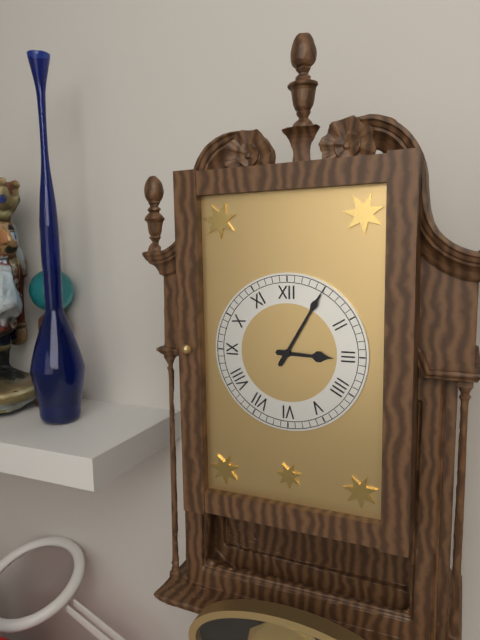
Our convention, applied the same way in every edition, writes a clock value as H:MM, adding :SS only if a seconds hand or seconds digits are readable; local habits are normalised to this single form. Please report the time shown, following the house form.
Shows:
3:05
